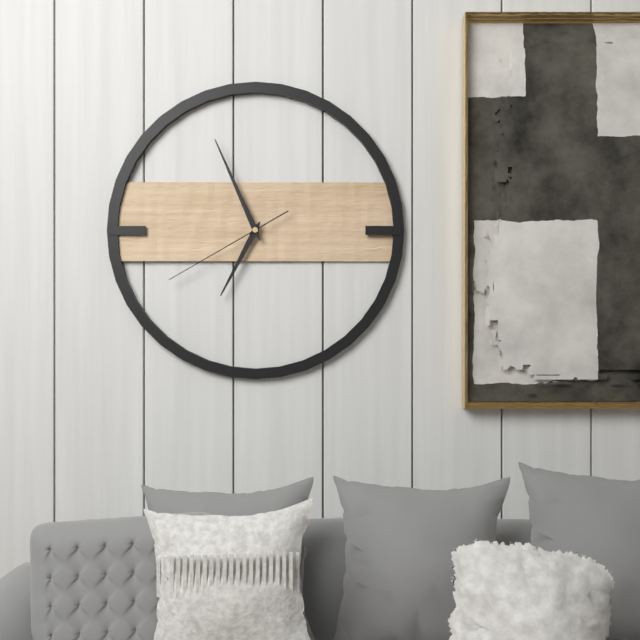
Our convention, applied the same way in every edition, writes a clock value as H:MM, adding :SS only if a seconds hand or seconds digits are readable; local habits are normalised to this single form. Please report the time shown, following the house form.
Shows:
6:56:40
